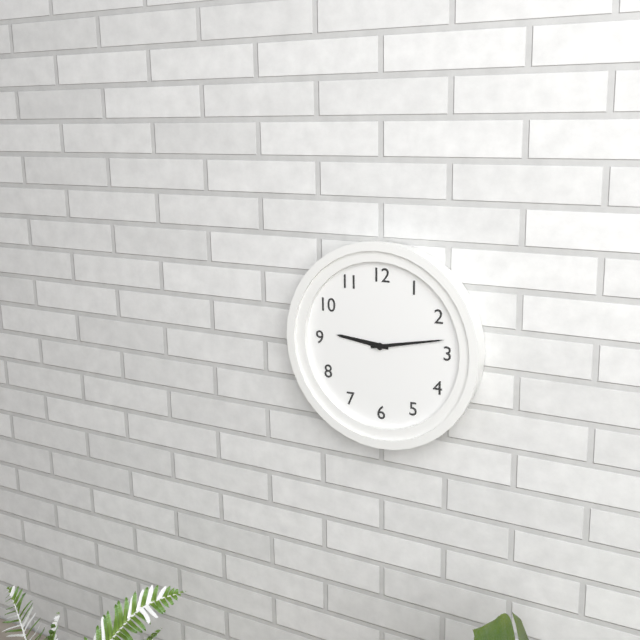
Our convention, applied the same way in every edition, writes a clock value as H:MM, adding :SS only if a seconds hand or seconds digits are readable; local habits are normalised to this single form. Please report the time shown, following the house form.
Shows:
9:13
